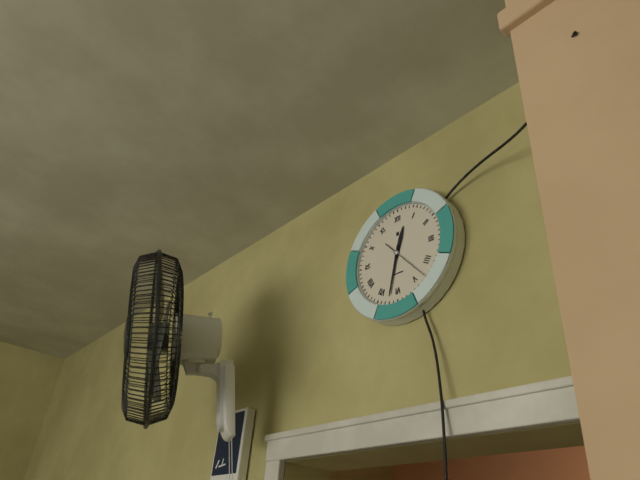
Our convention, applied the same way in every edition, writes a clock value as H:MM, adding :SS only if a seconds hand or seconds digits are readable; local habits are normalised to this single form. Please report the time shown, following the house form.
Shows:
12:32
